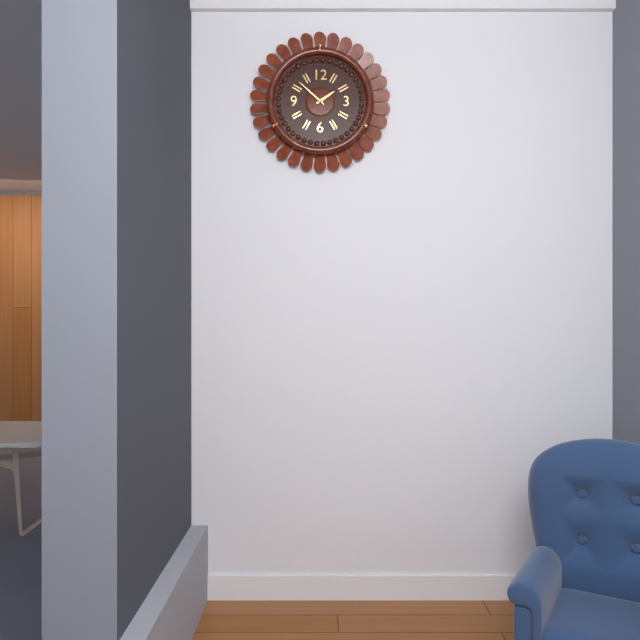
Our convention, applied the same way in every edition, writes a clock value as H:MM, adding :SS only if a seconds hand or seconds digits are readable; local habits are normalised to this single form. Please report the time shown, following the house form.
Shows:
1:52
